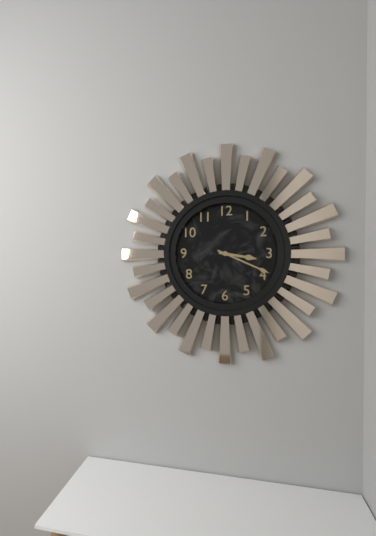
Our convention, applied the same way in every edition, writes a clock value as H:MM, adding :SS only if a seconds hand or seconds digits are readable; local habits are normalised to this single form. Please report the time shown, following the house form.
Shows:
3:19
